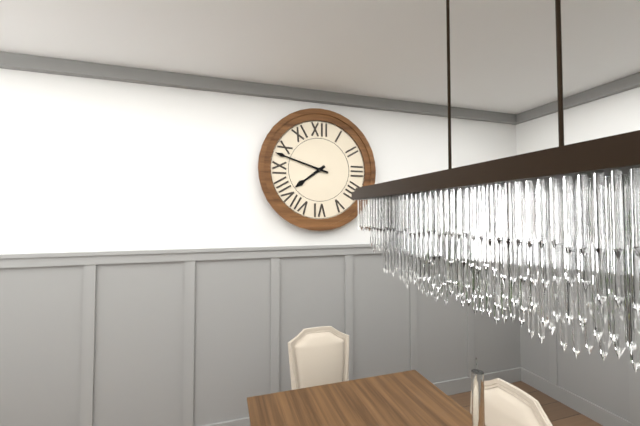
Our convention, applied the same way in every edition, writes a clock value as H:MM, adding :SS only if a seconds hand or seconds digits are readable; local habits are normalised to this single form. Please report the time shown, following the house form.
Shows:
7:48
